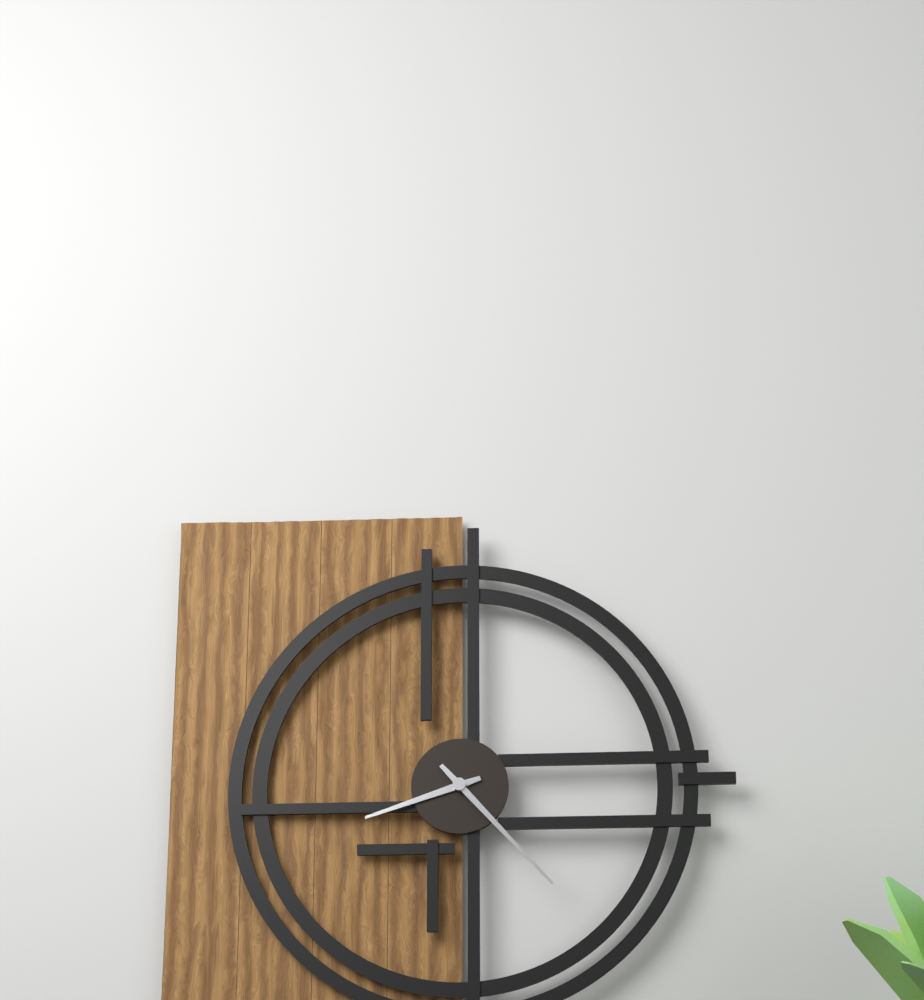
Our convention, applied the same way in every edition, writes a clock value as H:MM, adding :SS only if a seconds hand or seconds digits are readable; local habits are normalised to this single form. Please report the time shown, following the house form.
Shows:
8:23
